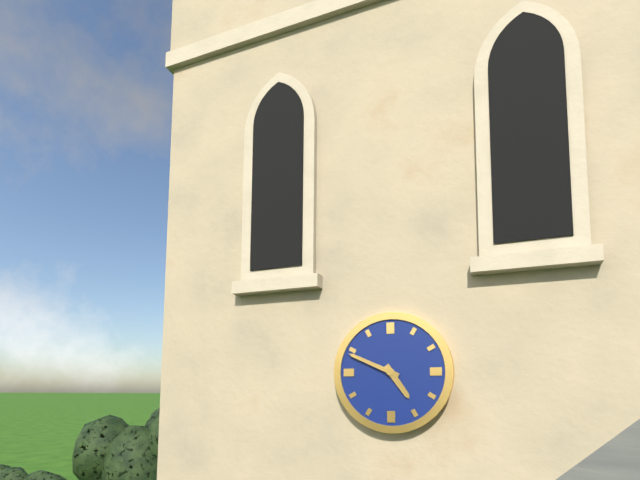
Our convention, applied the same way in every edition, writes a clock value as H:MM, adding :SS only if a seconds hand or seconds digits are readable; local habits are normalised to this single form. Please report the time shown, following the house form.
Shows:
4:49
